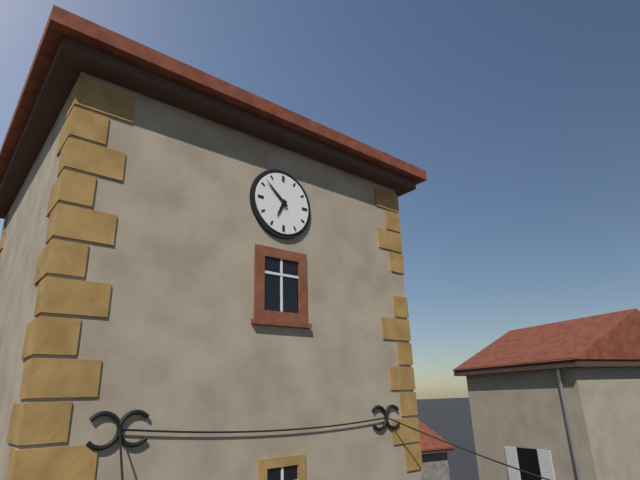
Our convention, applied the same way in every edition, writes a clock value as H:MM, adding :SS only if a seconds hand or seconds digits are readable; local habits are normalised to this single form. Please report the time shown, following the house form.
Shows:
6:52
